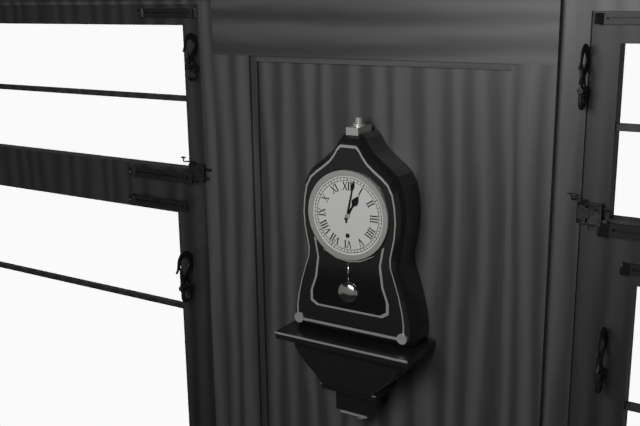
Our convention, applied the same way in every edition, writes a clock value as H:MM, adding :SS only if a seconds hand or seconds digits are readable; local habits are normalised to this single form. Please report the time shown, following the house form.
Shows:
1:02
